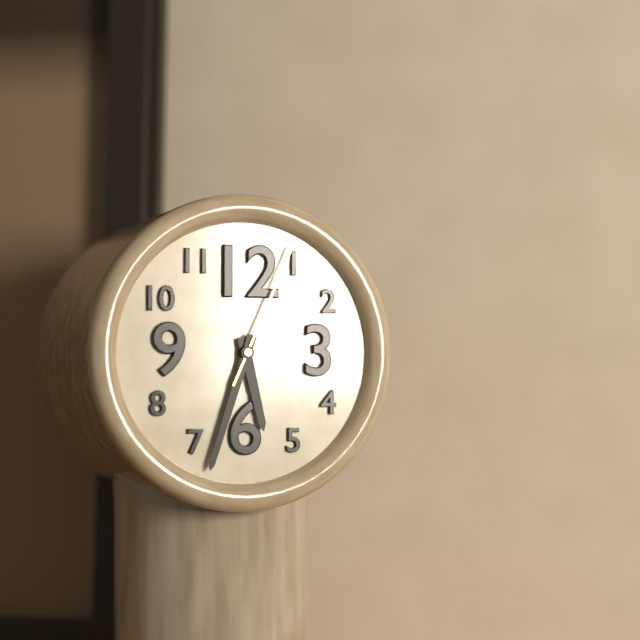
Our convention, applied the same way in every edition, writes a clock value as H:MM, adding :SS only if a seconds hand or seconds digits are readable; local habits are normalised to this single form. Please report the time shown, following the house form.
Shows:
5:33:04
